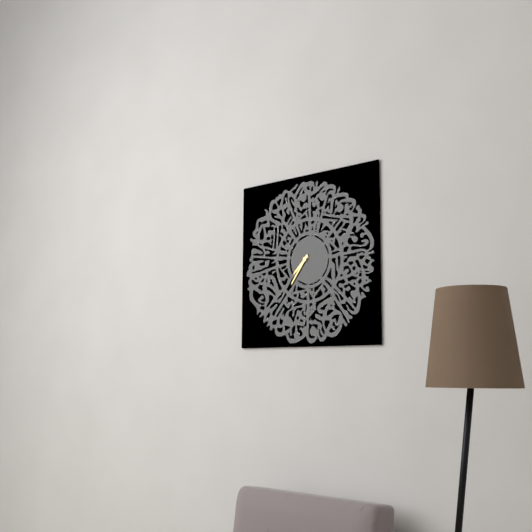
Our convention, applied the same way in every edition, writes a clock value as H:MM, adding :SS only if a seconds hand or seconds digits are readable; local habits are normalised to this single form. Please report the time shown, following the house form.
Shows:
7:36
